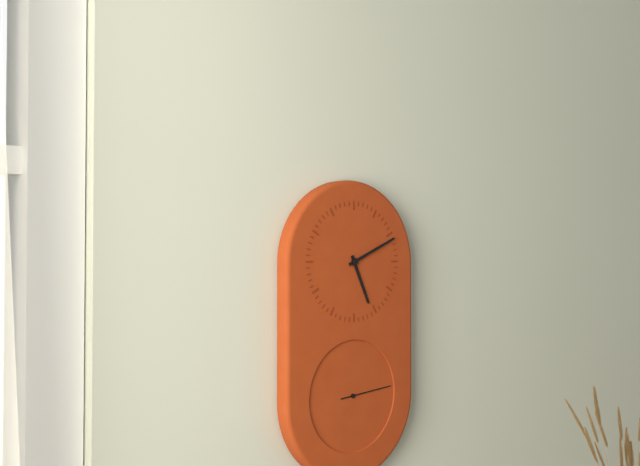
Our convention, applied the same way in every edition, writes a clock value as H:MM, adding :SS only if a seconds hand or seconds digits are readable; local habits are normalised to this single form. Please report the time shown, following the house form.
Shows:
5:11:14
